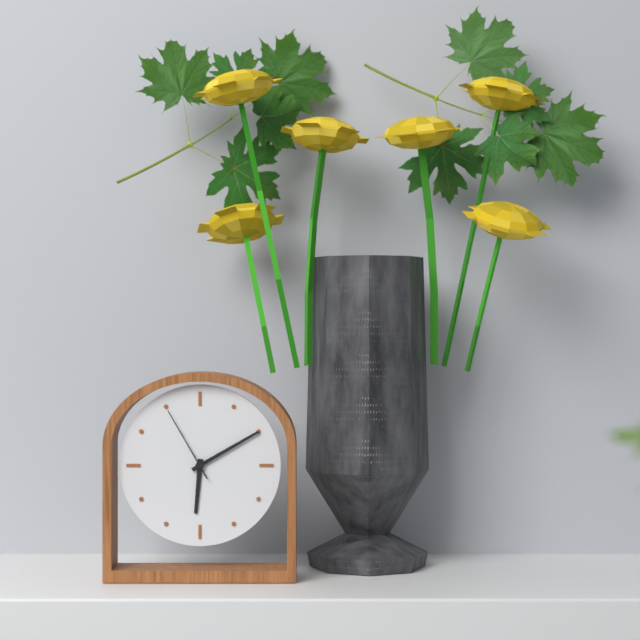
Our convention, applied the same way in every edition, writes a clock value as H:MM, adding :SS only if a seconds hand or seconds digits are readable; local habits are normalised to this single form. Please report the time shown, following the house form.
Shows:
6:10:55
